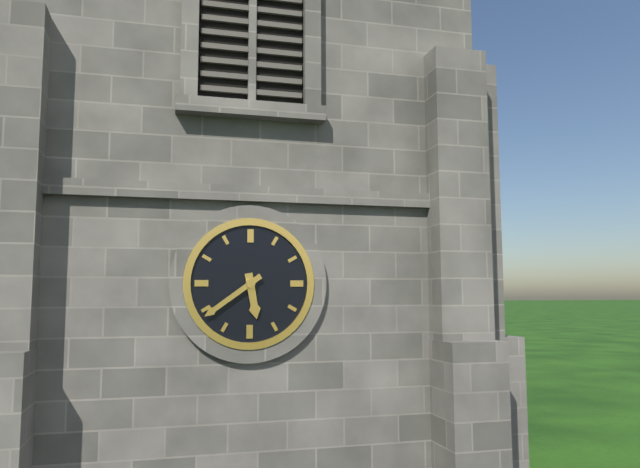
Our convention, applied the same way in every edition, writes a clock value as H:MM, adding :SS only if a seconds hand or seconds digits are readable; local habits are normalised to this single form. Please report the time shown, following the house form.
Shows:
5:39
